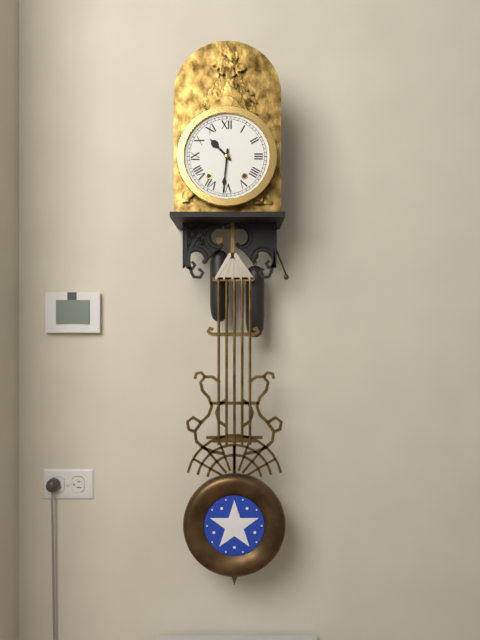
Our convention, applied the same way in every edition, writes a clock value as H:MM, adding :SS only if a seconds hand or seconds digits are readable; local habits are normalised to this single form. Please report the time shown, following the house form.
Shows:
10:31
